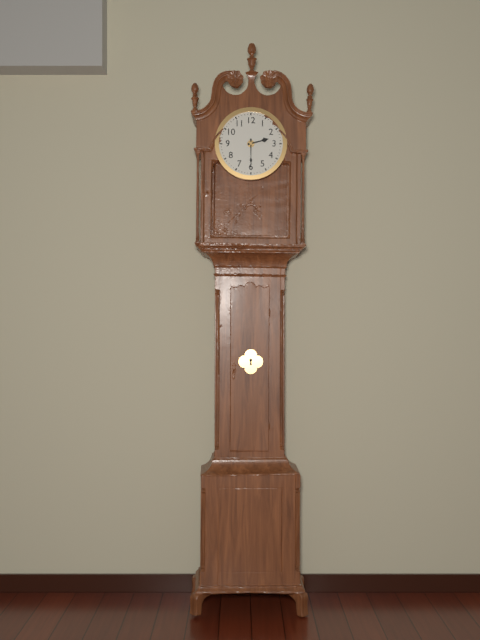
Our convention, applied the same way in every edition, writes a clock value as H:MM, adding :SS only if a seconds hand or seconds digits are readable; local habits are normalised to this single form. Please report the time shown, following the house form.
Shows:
2:30
